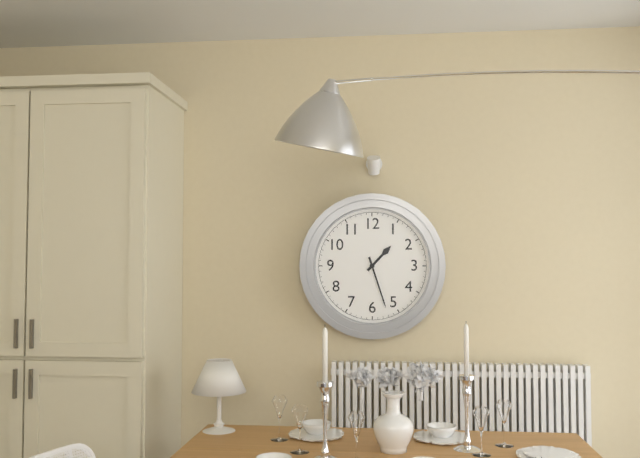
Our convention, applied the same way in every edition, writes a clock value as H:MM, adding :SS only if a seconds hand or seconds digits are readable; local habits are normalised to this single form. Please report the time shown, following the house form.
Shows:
1:27
